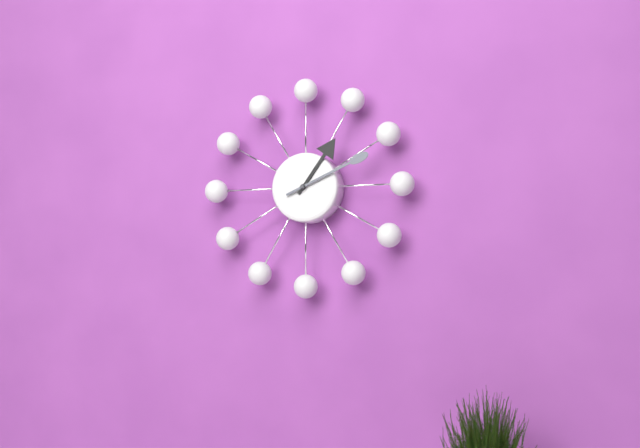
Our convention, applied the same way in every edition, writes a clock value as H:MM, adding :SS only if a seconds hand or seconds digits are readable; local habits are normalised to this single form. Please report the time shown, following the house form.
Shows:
1:11
